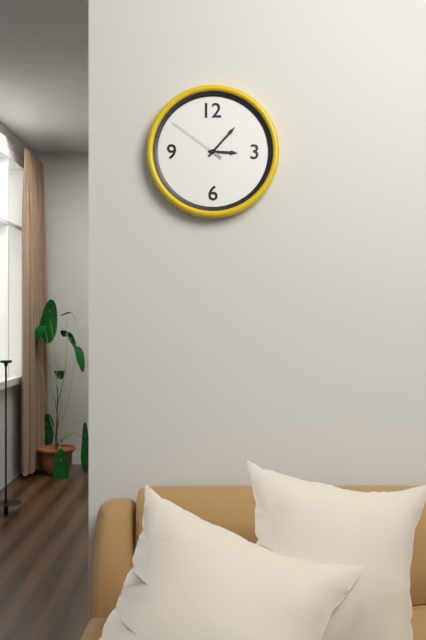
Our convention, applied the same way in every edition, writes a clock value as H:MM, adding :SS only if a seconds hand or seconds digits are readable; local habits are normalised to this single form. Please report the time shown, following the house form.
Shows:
3:07:51
